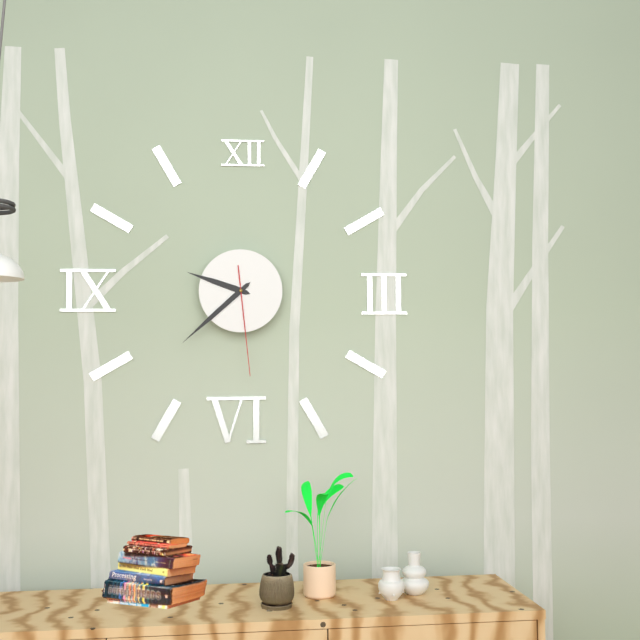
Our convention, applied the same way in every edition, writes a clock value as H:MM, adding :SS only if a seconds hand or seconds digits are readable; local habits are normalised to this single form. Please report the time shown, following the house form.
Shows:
9:38:29
